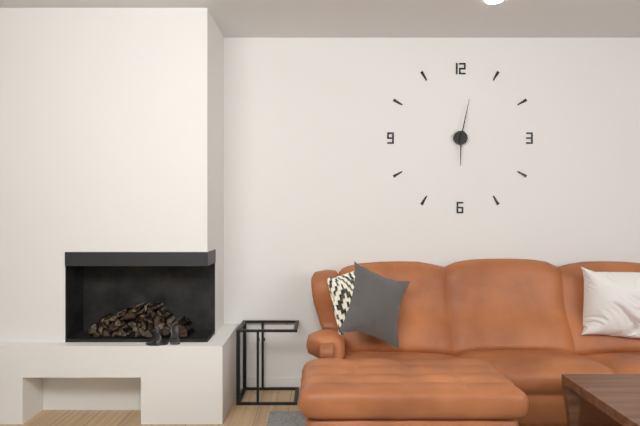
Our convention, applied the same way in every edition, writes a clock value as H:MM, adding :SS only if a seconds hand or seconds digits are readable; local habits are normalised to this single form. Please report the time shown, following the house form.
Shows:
6:02
